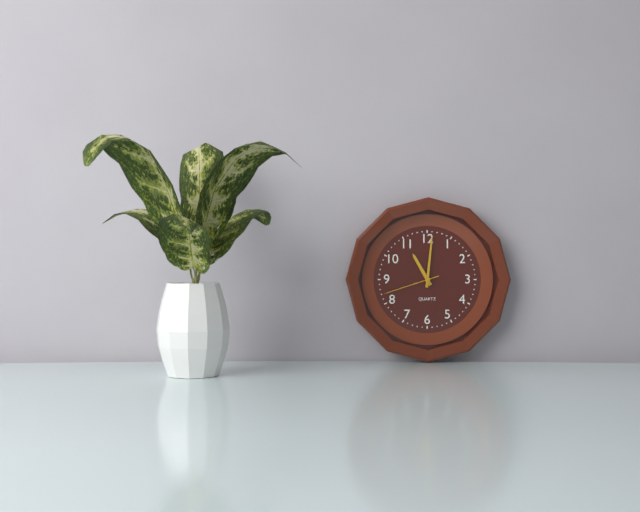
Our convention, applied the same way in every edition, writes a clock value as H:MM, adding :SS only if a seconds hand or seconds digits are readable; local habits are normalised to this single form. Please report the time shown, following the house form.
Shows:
11:01:42
